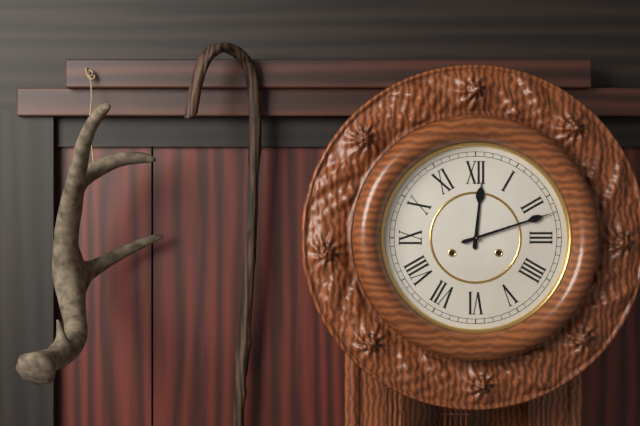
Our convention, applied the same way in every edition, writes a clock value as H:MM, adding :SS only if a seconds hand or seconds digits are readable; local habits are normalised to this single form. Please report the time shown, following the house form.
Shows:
12:12
